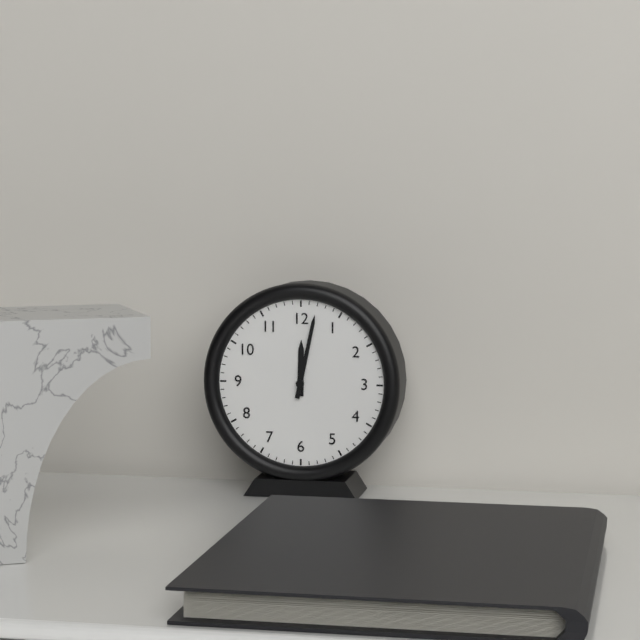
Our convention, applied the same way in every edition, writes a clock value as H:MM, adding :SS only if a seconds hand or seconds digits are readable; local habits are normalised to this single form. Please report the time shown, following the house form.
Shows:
12:02
